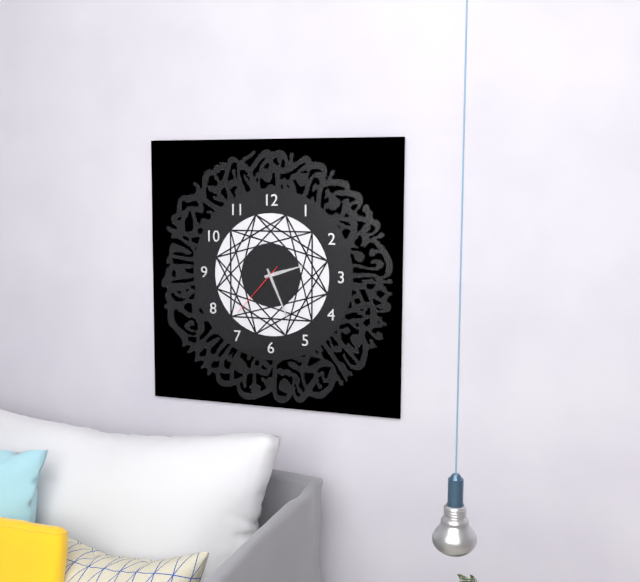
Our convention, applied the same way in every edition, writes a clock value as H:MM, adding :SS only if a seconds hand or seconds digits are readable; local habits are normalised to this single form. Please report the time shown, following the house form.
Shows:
2:26:37
